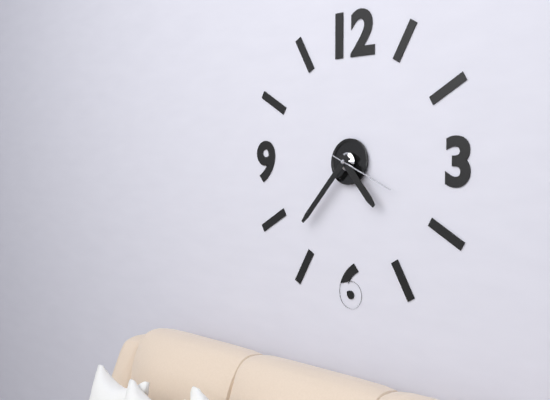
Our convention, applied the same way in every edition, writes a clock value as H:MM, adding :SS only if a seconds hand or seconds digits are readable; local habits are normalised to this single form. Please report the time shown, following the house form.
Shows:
4:37:19
